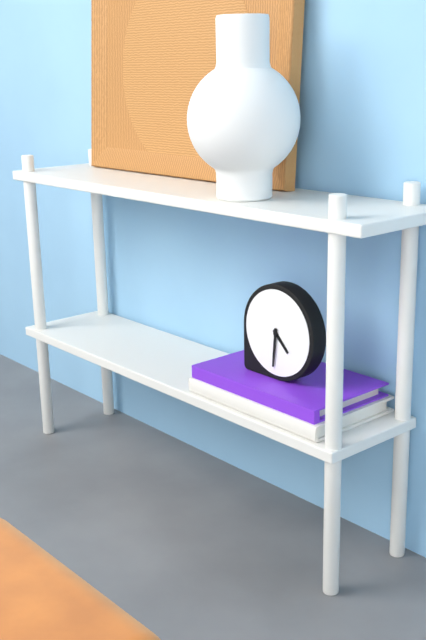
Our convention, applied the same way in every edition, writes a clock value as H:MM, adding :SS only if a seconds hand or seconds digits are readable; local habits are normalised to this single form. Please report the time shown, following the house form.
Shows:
4:31
